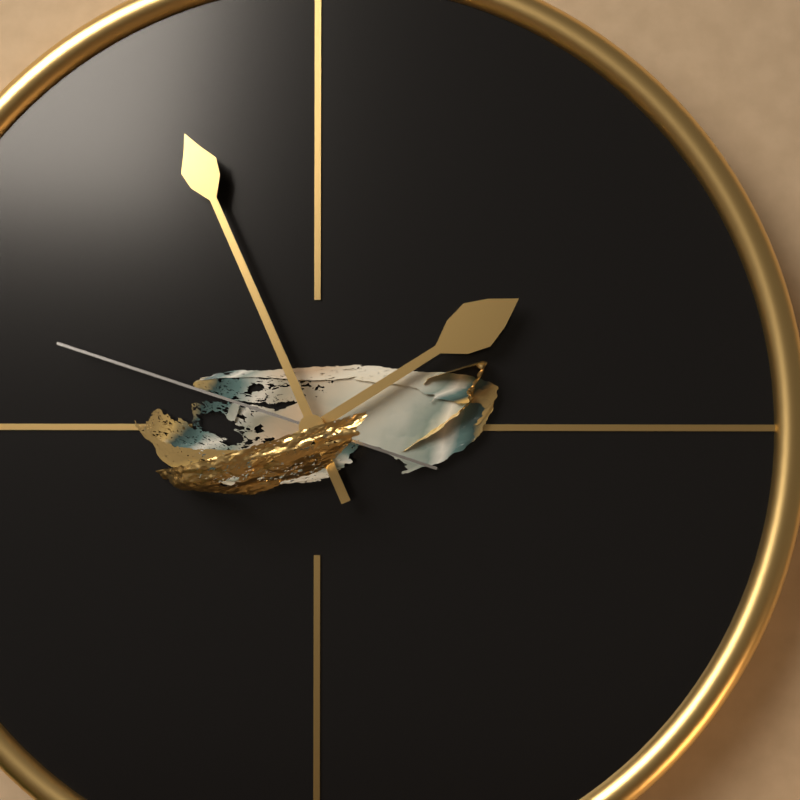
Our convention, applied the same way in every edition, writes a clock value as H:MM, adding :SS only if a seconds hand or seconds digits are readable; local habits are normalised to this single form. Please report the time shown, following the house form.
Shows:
1:56:48
